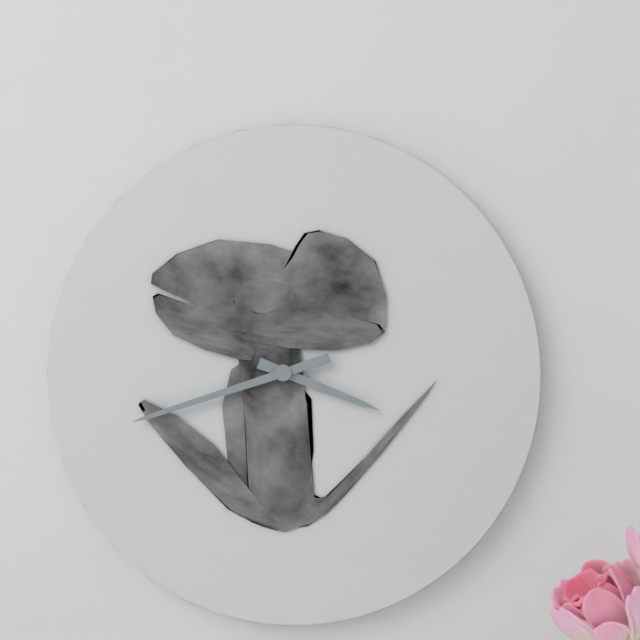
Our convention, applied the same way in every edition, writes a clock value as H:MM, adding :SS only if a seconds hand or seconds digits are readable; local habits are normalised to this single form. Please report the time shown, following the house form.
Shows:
3:42
